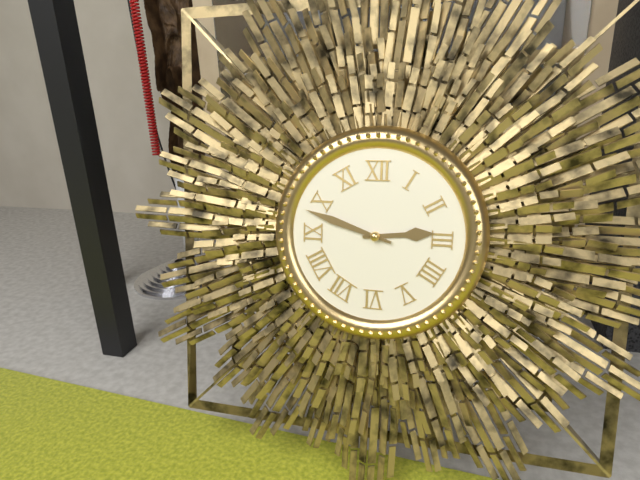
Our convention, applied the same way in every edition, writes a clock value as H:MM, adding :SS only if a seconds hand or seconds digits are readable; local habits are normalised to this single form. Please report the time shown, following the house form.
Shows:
2:48
